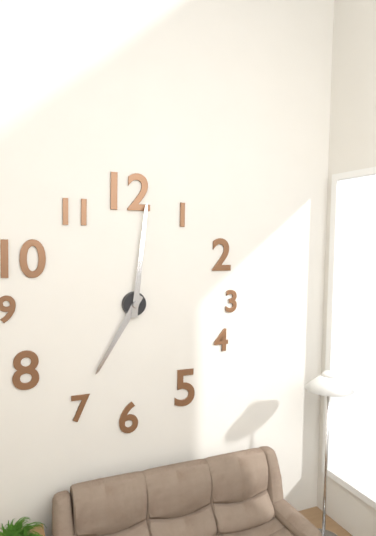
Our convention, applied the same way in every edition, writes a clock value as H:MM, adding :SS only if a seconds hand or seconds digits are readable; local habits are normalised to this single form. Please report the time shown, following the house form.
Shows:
7:01
